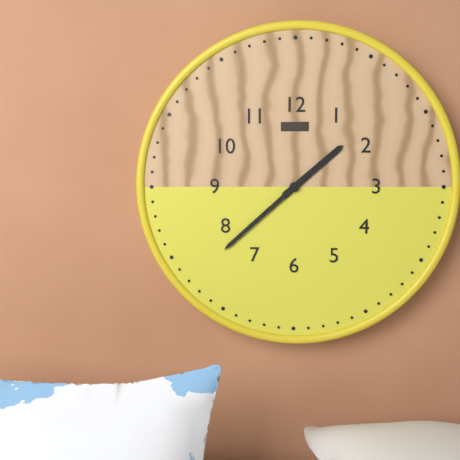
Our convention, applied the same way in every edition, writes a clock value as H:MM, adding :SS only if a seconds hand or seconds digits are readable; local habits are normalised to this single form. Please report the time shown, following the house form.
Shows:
1:38
